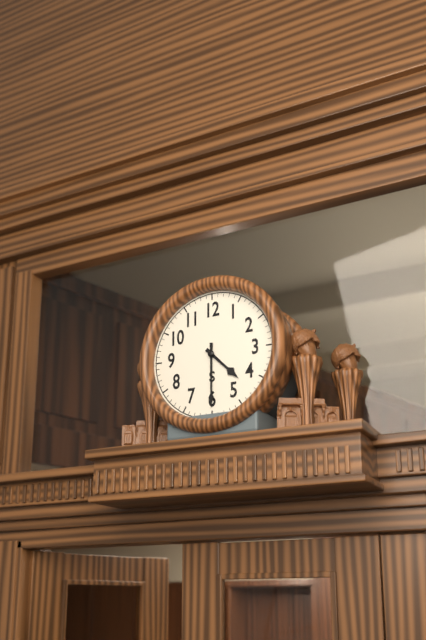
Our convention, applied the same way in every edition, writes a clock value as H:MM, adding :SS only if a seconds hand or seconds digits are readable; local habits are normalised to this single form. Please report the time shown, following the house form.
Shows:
4:30
